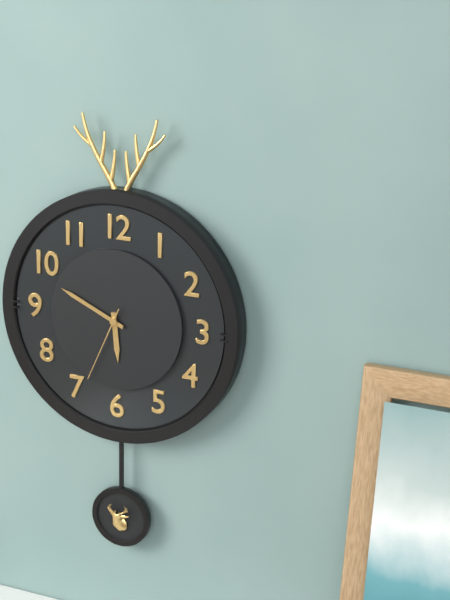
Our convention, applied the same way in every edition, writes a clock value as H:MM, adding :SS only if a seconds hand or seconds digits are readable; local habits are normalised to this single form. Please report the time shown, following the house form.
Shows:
5:49:34
